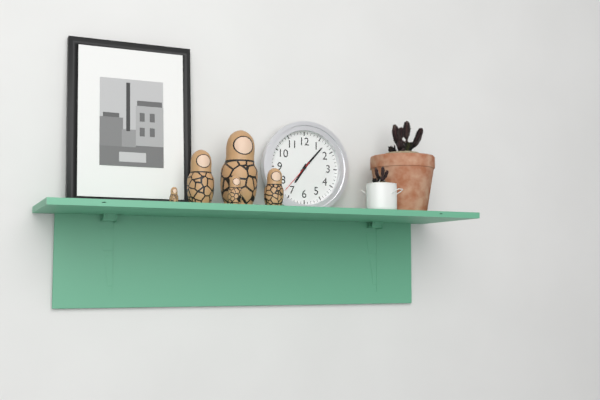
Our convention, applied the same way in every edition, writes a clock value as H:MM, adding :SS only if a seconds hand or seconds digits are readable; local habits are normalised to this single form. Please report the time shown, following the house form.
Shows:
7:07
